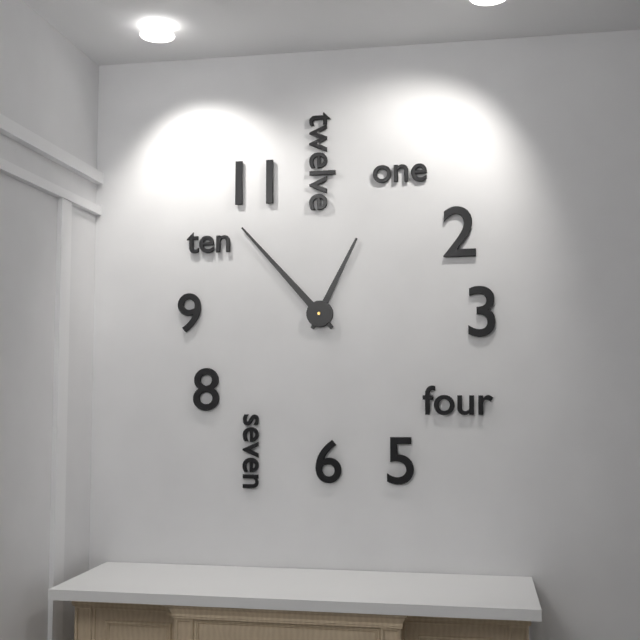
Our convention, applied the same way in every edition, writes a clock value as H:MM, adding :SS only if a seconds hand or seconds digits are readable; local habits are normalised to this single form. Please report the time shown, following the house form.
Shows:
12:53
